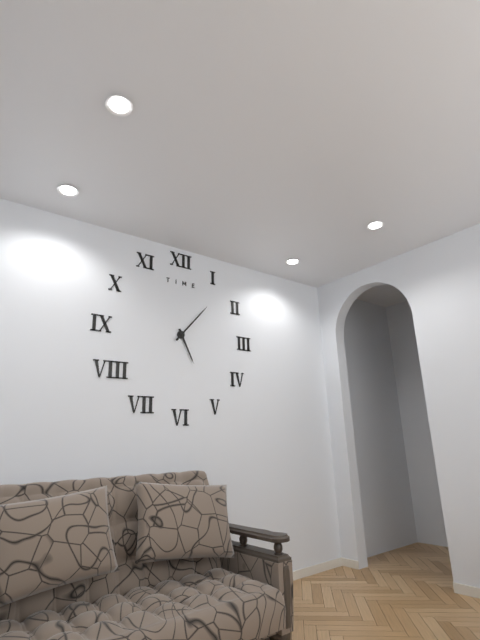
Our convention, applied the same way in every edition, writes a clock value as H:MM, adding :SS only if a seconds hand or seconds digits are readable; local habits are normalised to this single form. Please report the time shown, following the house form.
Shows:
5:07
